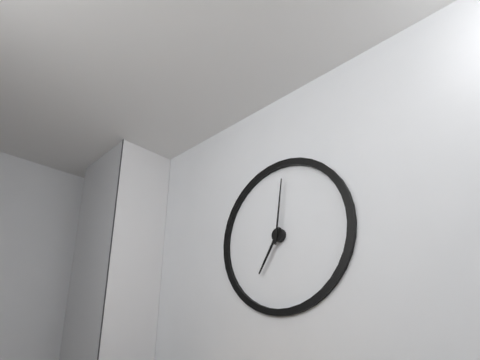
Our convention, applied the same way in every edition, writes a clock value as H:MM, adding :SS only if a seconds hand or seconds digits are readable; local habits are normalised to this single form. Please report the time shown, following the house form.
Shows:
7:01
